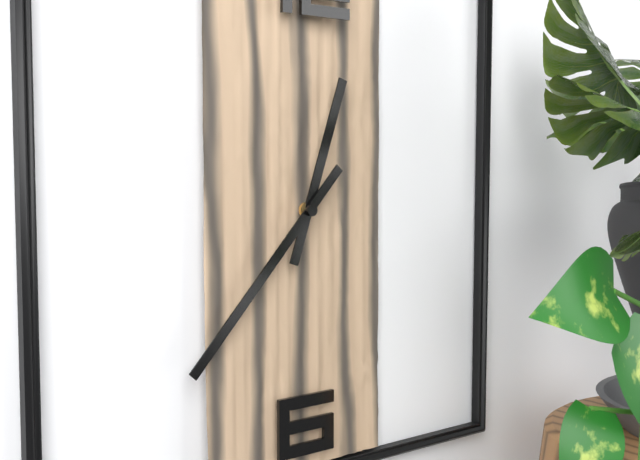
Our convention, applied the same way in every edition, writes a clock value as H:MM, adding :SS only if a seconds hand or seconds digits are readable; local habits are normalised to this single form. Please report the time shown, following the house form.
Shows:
12:37
